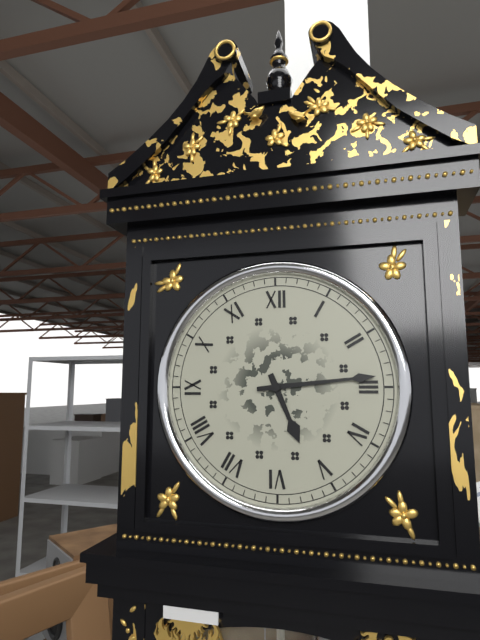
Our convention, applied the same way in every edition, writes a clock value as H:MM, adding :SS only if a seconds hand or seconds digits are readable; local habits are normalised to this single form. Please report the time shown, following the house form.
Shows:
5:14
